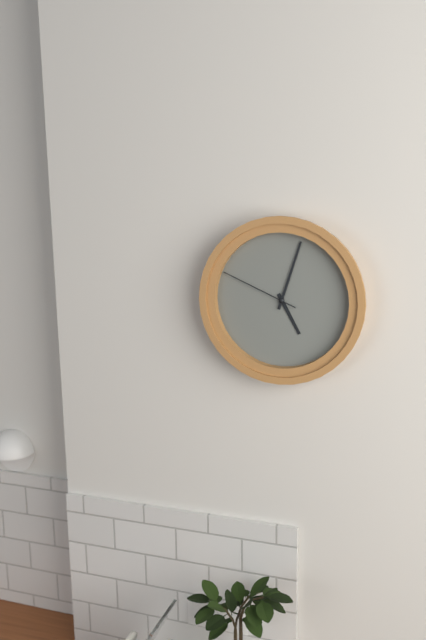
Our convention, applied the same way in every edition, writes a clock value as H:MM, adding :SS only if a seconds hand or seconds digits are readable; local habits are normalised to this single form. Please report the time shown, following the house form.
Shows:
5:03:49
